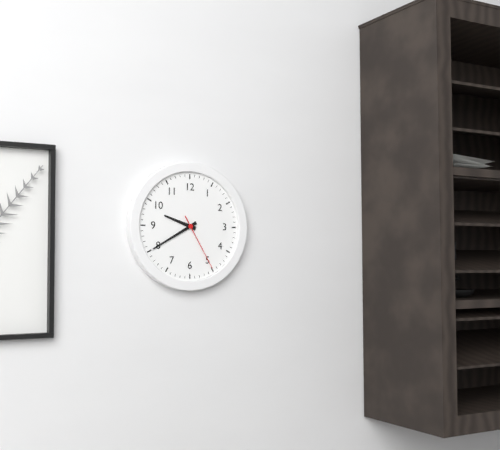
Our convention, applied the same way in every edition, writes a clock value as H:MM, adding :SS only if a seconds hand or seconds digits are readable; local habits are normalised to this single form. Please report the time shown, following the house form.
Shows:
9:40:25
